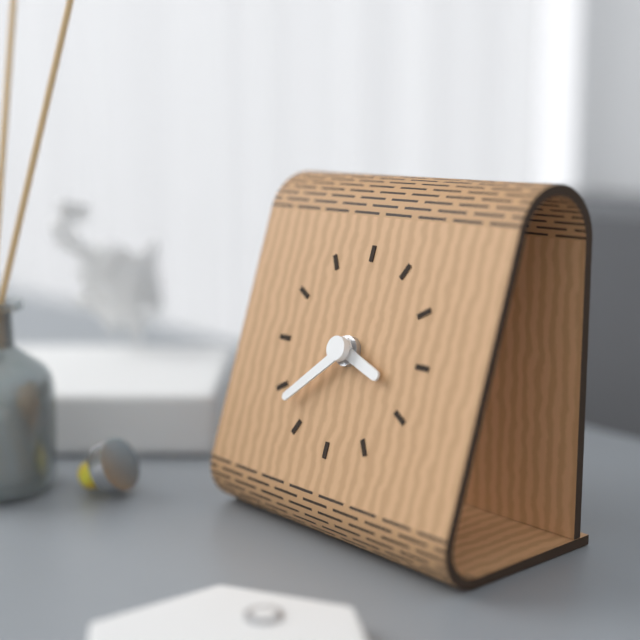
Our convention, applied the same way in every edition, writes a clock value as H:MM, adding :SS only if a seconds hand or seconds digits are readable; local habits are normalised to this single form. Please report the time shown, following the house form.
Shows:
3:38
